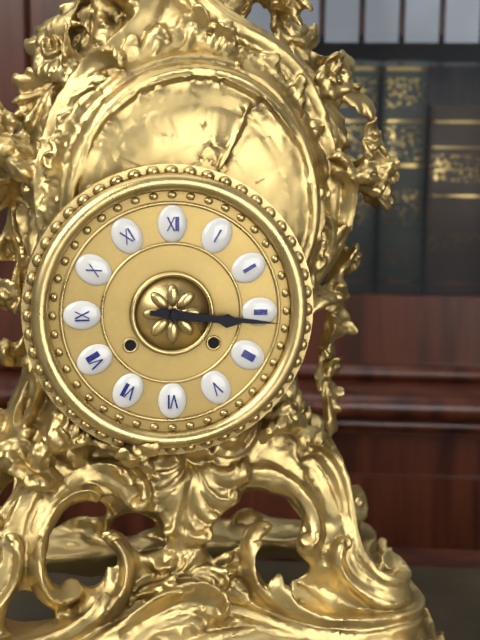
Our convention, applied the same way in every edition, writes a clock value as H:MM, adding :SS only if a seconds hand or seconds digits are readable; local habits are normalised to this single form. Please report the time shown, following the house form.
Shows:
3:16
